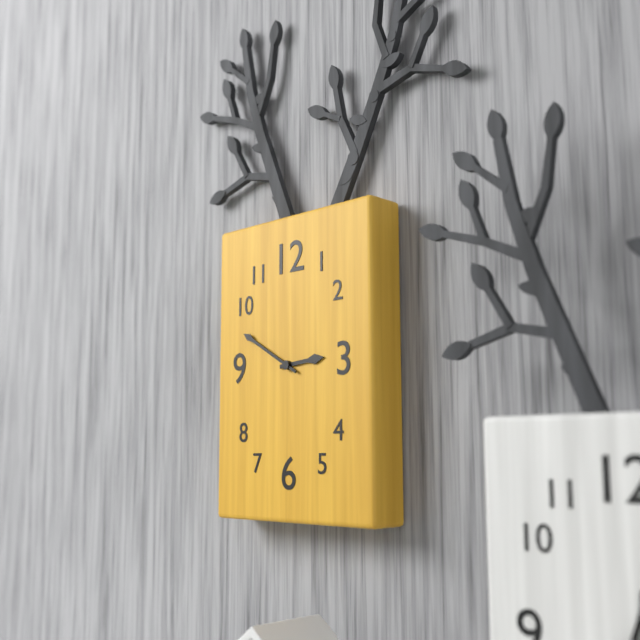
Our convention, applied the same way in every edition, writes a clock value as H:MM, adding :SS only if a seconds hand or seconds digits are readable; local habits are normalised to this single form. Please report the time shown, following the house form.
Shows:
2:50
